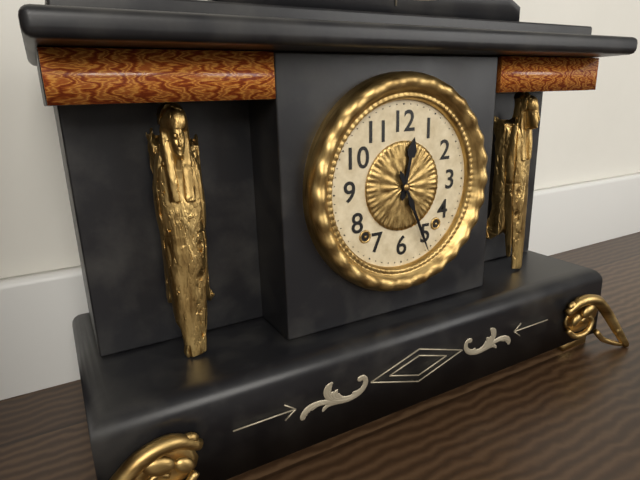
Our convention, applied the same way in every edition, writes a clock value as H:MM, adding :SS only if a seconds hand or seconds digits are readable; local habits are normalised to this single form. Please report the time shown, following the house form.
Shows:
12:26
